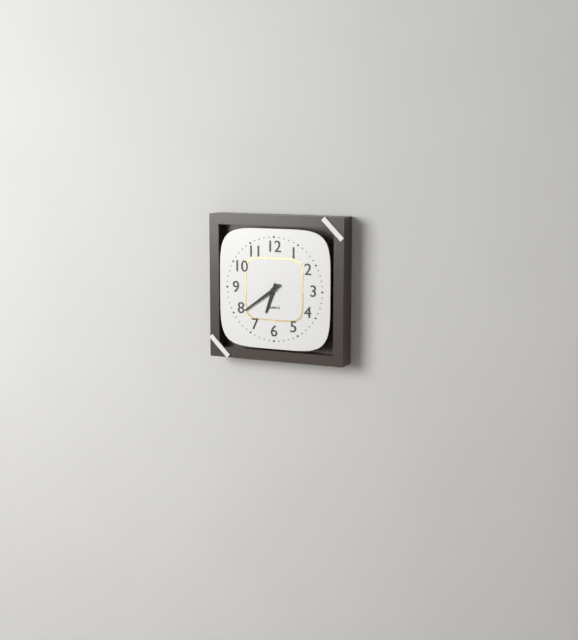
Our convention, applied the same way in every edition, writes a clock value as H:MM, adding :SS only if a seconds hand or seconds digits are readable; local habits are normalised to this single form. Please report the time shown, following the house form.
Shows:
6:39
